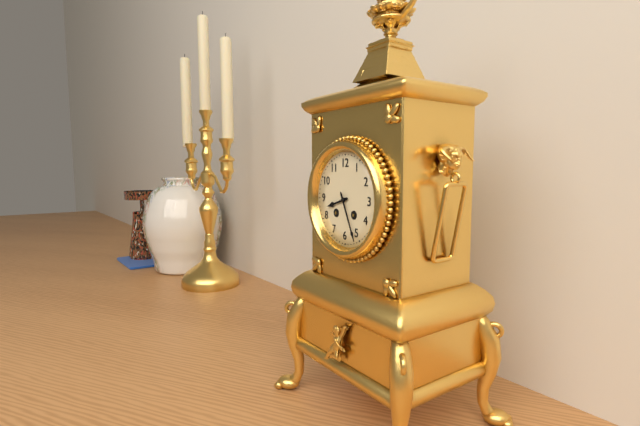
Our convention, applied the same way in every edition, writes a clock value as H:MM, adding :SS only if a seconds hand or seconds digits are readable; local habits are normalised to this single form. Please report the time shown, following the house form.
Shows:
8:26
